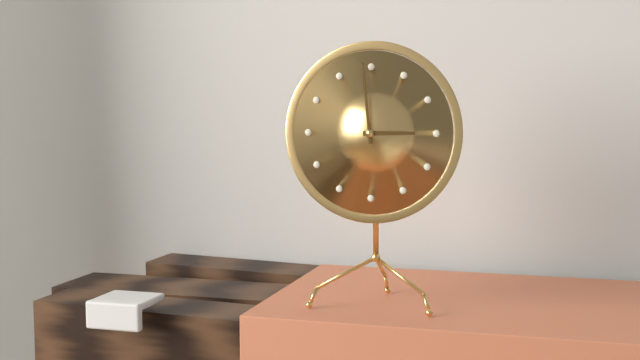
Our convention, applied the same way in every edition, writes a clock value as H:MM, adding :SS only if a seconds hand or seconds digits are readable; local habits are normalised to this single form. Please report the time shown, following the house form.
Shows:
2:59
